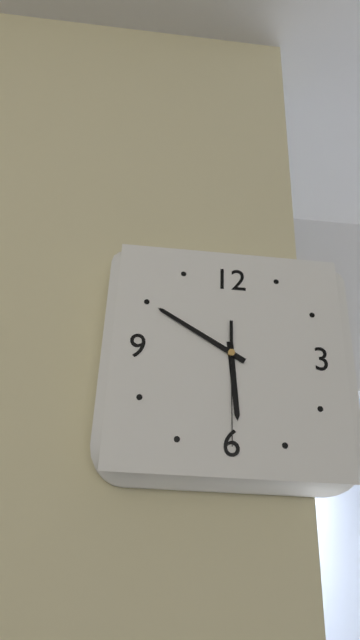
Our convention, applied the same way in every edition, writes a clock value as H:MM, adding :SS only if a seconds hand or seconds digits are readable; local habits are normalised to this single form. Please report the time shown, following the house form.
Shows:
5:50:30
